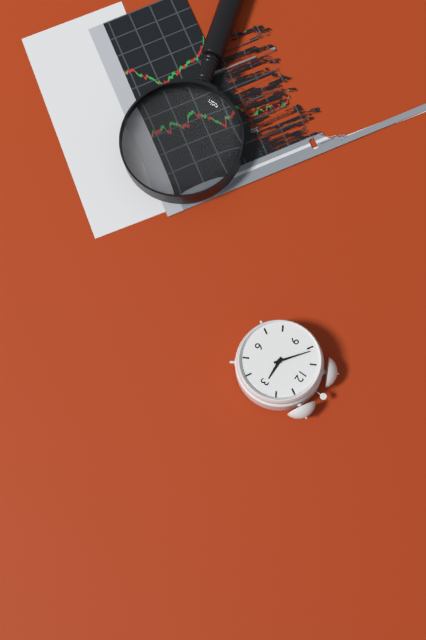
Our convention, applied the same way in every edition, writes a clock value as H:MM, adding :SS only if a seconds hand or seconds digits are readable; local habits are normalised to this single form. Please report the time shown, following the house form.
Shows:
2:51
